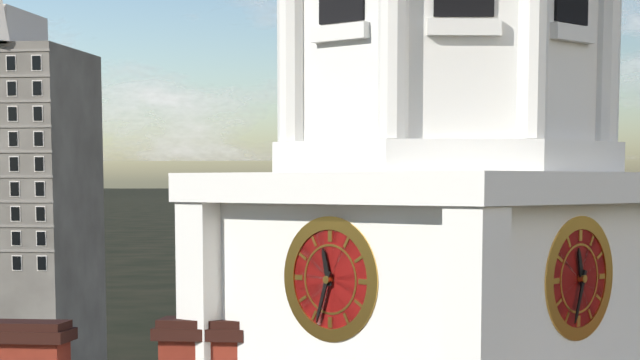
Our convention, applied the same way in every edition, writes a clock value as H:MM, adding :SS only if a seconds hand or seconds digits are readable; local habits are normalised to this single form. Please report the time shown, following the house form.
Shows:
11:33
